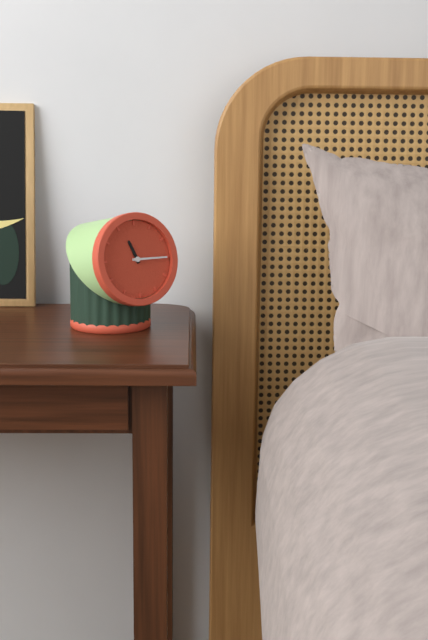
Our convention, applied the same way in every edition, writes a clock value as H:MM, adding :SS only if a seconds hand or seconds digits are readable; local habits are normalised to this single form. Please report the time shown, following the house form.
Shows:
11:15
